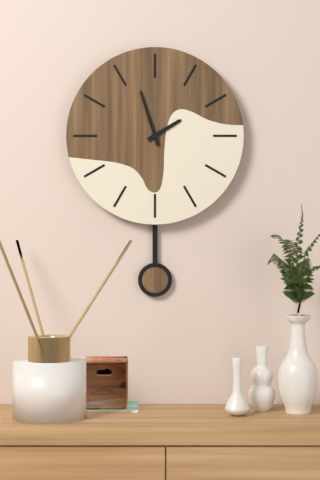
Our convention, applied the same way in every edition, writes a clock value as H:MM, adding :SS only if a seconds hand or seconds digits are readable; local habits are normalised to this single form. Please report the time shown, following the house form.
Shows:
1:57
